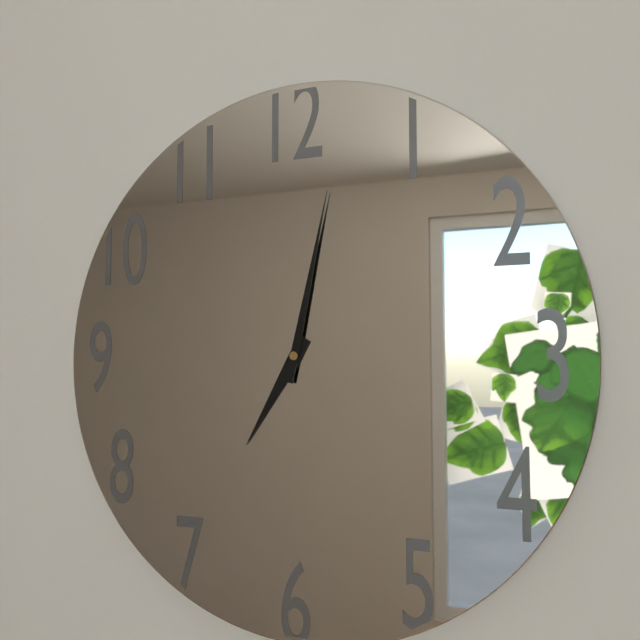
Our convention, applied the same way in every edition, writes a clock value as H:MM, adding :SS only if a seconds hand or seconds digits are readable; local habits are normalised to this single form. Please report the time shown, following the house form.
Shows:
7:02
